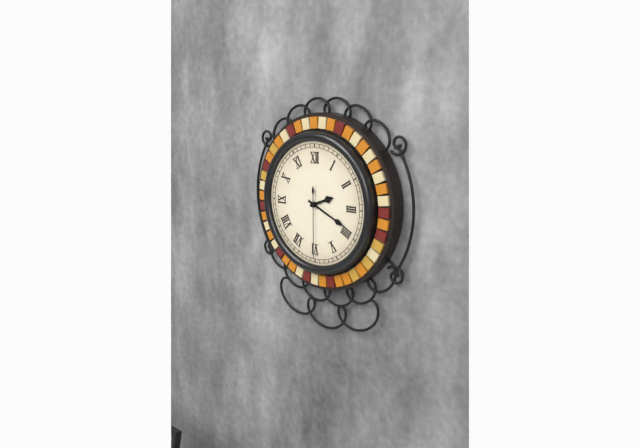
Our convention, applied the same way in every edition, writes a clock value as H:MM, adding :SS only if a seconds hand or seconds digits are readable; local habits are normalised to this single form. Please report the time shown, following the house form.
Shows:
2:19:30
